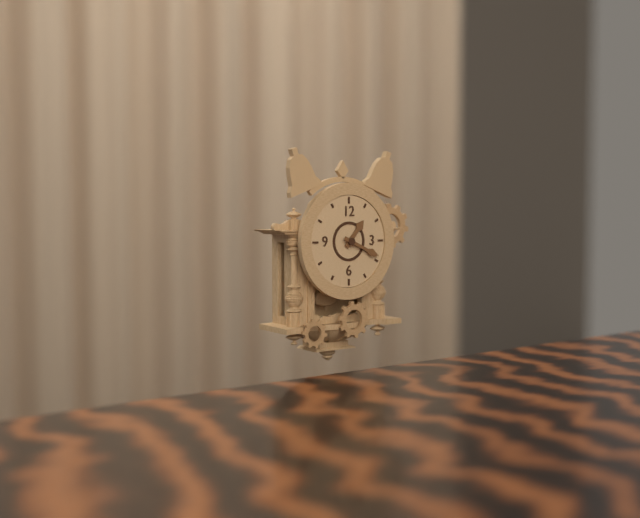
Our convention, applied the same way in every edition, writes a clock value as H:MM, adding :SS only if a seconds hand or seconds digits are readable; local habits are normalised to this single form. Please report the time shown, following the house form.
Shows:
1:19
